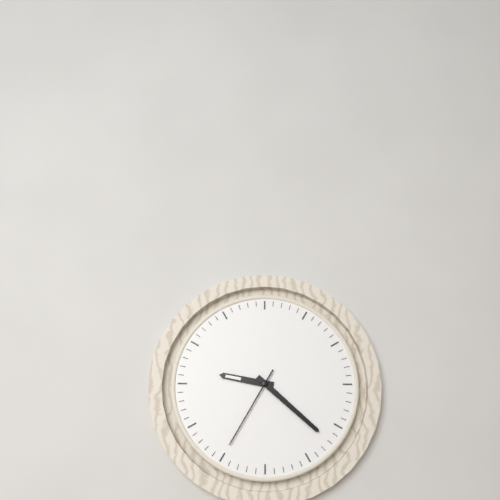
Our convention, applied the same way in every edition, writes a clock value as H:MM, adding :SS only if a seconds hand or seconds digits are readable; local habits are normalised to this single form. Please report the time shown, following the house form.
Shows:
9:22:35
